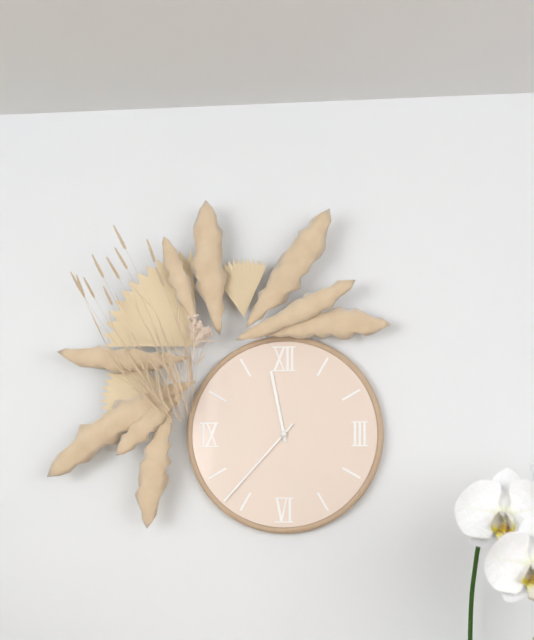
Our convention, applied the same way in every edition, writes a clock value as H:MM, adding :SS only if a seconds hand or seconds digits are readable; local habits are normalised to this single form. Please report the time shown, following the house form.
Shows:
11:37
